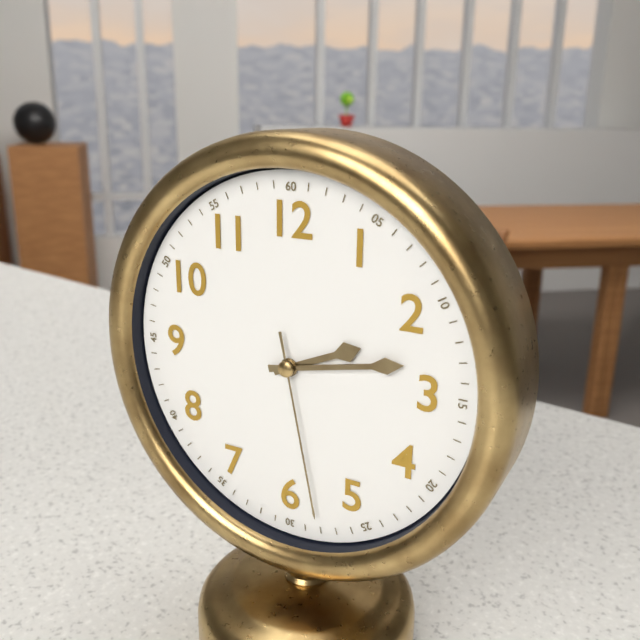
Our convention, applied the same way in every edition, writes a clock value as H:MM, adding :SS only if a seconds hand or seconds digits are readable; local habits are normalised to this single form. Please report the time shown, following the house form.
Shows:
2:13:28
